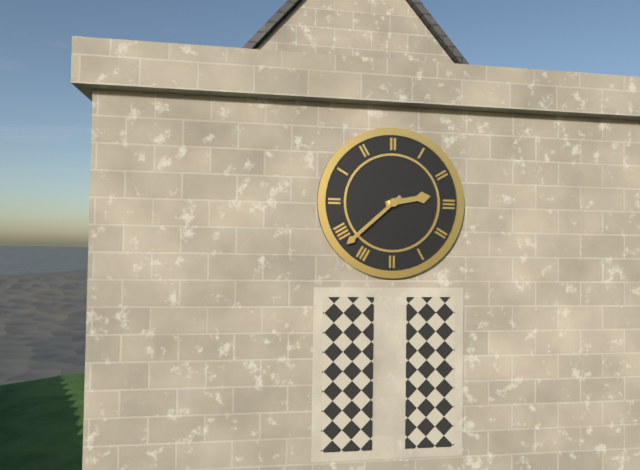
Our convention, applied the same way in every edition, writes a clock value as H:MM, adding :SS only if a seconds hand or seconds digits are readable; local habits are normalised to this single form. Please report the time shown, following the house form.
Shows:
2:38
